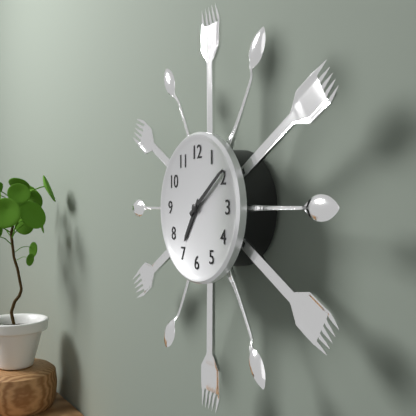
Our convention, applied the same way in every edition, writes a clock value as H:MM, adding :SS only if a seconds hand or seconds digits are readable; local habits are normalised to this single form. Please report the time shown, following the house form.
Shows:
7:09
